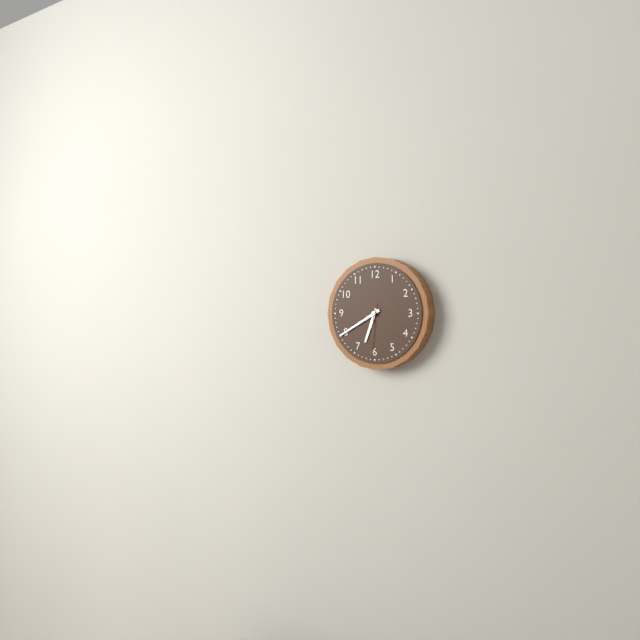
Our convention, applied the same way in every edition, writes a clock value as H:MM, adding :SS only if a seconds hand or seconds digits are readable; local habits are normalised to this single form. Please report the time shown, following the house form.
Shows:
6:40:31
